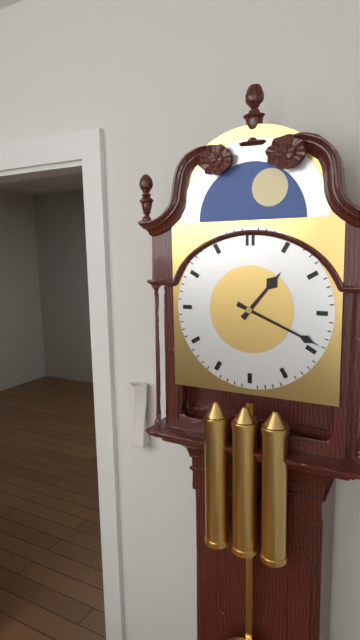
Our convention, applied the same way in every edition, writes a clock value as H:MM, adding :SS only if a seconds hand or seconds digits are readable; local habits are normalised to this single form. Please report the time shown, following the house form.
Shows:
1:19
